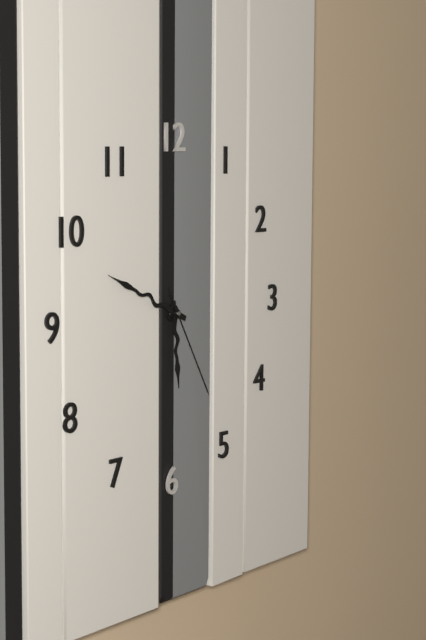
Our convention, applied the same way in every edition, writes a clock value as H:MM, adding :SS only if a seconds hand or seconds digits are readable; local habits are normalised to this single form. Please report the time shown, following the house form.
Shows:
5:49:25
